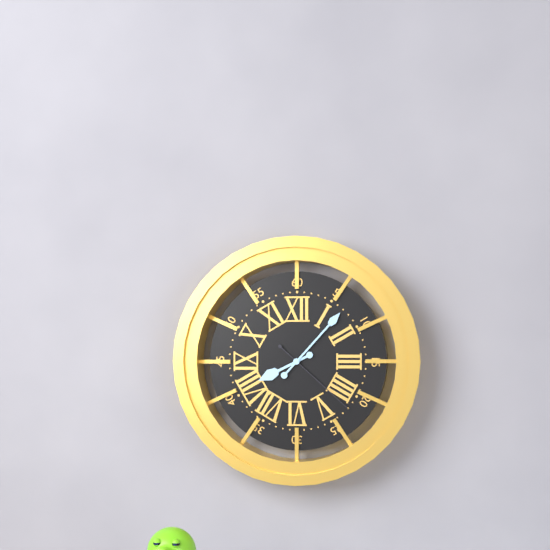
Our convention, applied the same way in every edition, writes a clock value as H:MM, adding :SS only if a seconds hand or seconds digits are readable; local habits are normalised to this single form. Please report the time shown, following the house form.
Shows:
8:07:22
